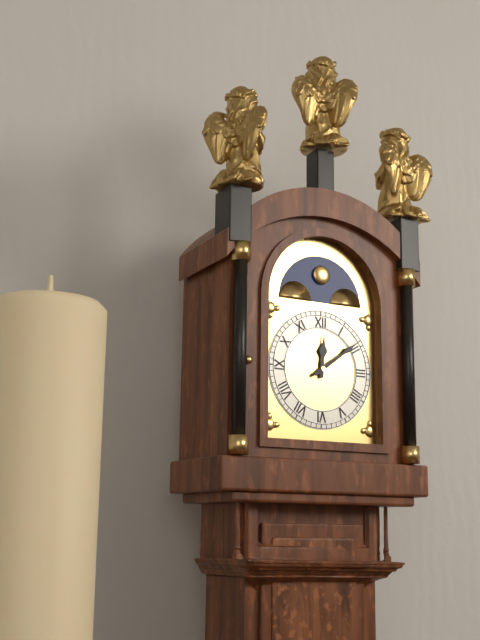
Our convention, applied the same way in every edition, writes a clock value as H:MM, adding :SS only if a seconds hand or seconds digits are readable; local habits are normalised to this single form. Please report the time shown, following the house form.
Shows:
12:09
